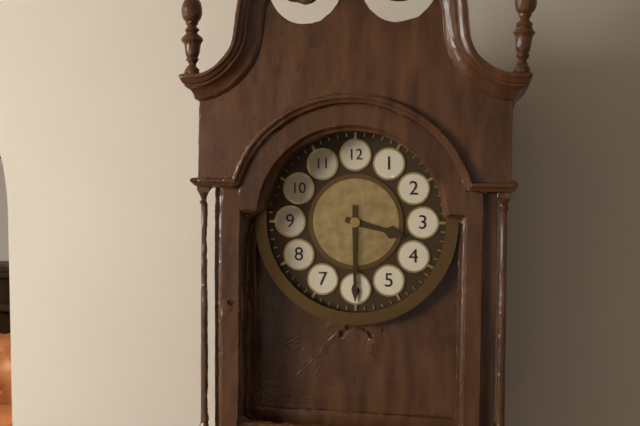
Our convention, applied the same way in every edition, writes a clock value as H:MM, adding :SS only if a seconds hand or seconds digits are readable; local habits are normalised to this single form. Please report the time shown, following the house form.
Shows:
3:30
